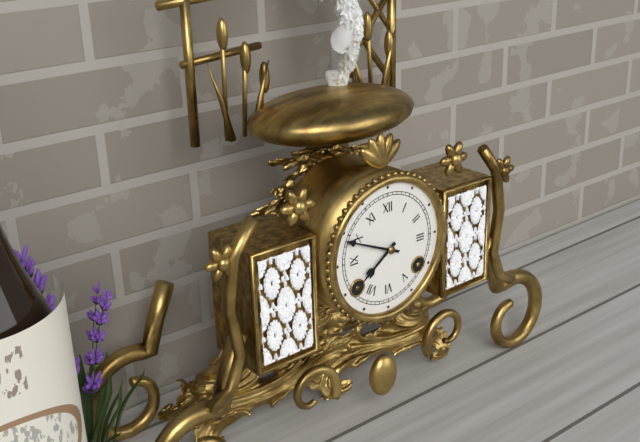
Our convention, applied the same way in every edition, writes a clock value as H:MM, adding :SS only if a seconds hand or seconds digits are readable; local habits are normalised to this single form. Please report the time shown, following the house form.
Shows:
7:49
